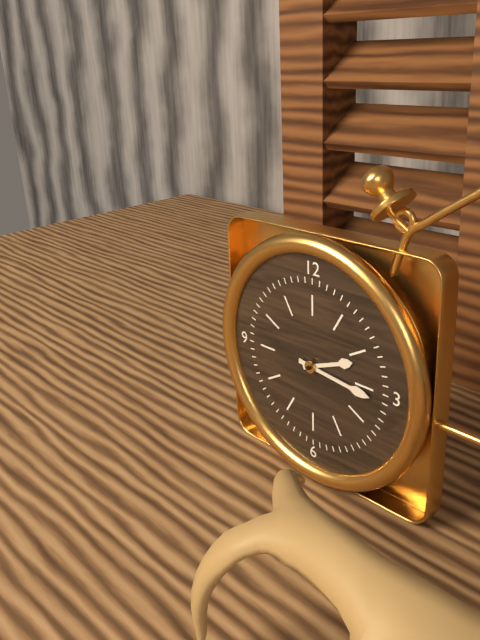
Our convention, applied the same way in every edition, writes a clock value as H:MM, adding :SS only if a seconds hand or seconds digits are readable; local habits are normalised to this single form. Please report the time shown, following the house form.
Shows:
2:16
